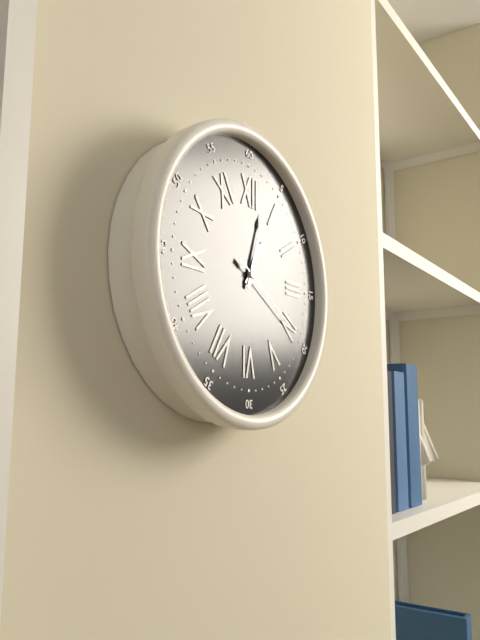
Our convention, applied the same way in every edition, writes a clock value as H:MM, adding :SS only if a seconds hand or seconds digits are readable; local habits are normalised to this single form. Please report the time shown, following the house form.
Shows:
1:03:20
